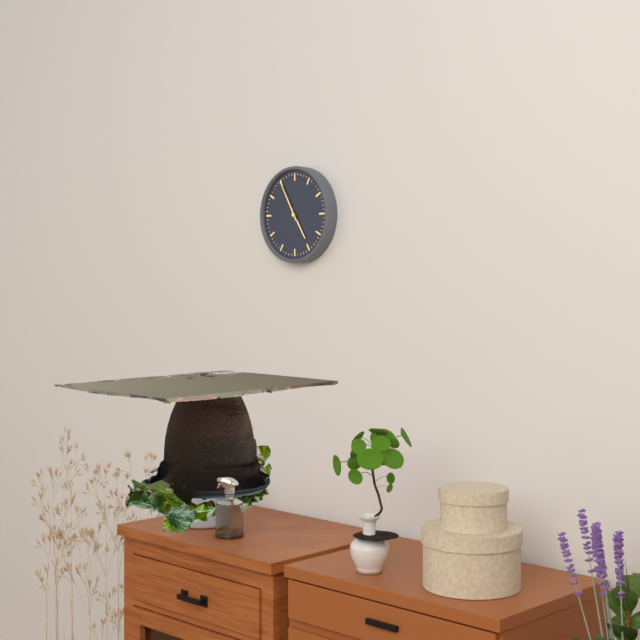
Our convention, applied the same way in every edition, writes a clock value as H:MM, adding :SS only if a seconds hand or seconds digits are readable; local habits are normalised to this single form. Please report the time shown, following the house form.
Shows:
4:55
